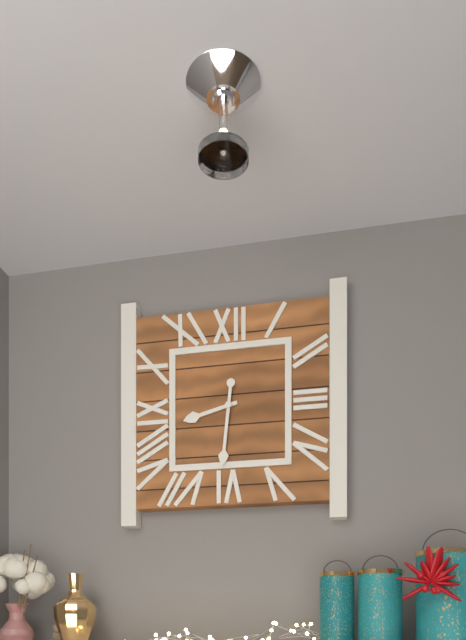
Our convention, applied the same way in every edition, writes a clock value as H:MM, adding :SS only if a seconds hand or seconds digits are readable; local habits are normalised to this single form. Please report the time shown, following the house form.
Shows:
8:31
